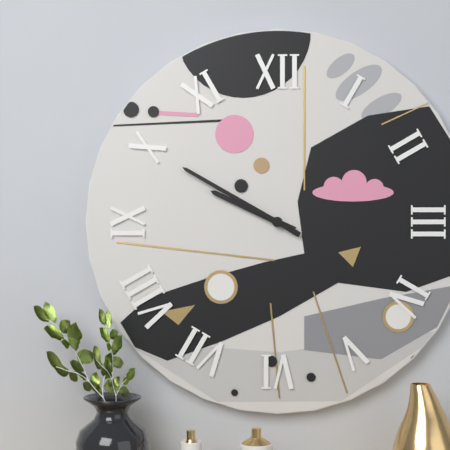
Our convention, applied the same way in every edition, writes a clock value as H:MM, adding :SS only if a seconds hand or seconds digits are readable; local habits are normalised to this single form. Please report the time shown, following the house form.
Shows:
9:50
